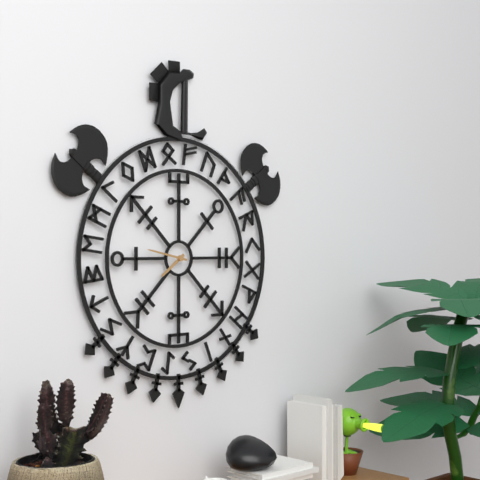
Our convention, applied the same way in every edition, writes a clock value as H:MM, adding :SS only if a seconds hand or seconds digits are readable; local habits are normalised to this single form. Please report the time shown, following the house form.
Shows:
7:47
